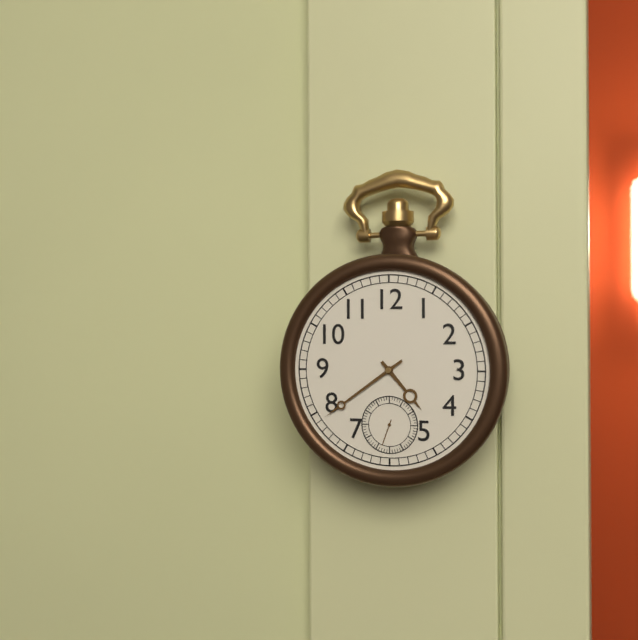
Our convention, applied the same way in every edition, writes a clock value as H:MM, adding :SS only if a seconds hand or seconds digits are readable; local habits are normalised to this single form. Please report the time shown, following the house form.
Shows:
4:39
